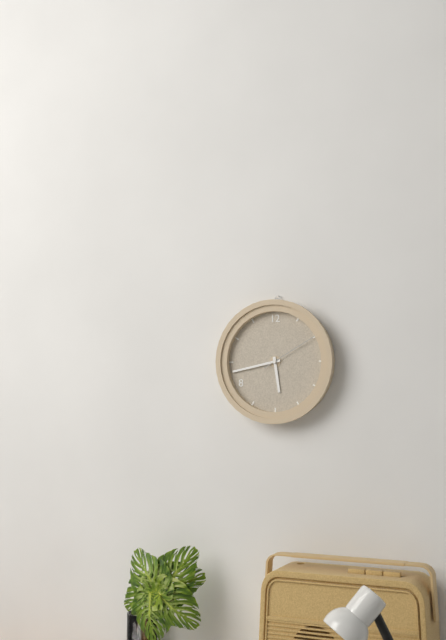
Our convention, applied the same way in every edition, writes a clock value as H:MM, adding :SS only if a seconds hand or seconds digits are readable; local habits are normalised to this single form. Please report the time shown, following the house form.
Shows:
5:43:10
